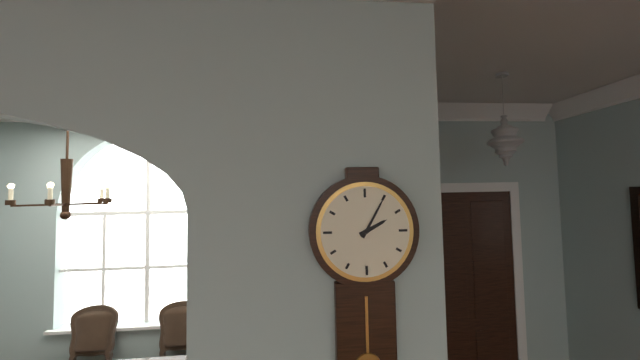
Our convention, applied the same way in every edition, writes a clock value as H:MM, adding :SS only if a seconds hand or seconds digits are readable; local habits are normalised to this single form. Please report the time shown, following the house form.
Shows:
2:05
